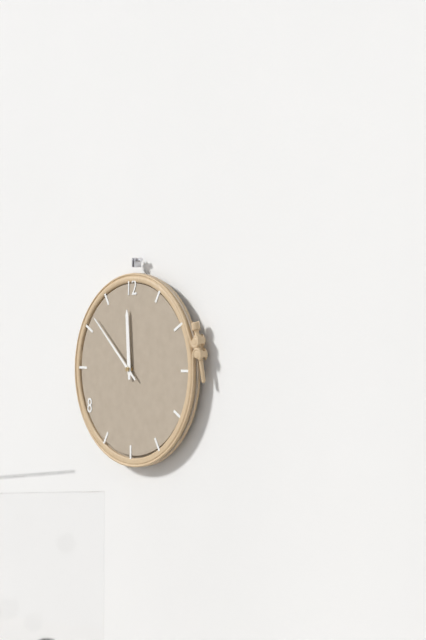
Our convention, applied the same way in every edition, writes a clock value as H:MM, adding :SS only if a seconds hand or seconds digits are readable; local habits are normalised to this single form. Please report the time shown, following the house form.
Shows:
11:52
